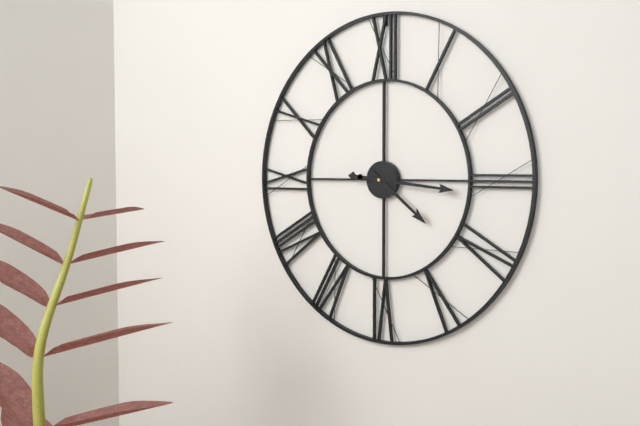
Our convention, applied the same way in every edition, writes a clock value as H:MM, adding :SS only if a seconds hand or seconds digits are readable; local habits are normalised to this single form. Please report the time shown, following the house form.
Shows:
4:16
